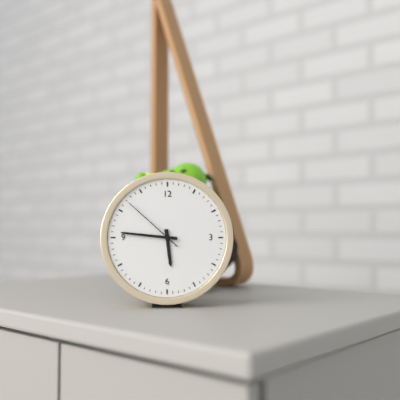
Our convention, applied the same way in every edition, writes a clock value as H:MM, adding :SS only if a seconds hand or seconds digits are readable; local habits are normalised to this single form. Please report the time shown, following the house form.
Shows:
5:46:52
